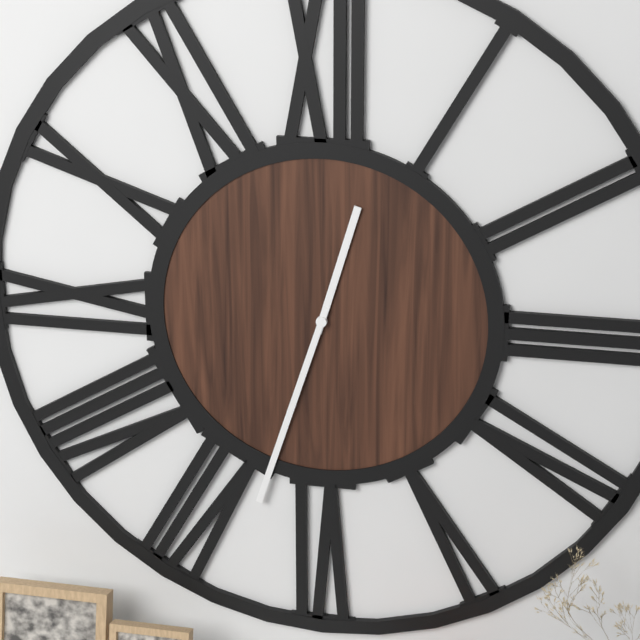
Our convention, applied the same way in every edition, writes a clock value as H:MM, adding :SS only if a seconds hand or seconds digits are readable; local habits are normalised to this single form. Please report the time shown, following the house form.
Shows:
12:33
